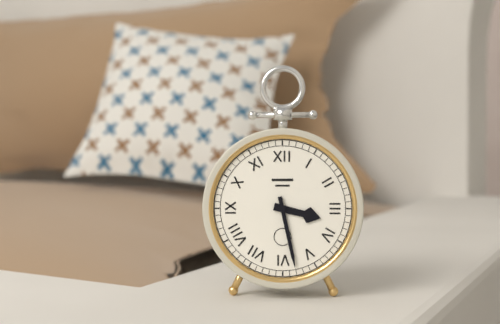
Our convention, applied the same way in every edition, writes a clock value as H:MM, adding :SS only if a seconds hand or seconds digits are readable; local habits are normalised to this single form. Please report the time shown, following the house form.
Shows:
3:28
